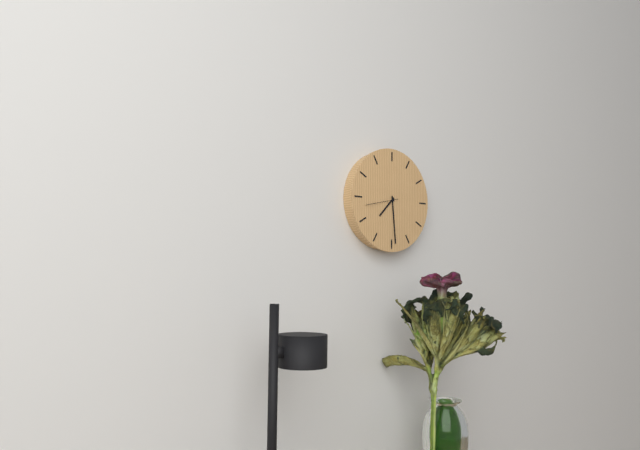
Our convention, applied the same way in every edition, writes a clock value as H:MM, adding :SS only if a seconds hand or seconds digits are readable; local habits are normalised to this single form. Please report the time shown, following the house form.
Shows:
7:29
